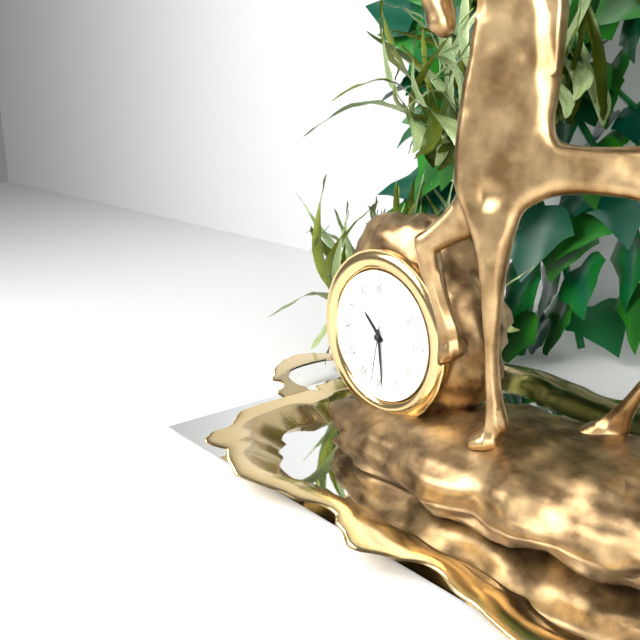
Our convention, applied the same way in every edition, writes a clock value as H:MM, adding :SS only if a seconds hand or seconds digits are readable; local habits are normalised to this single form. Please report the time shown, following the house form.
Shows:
10:29:32
